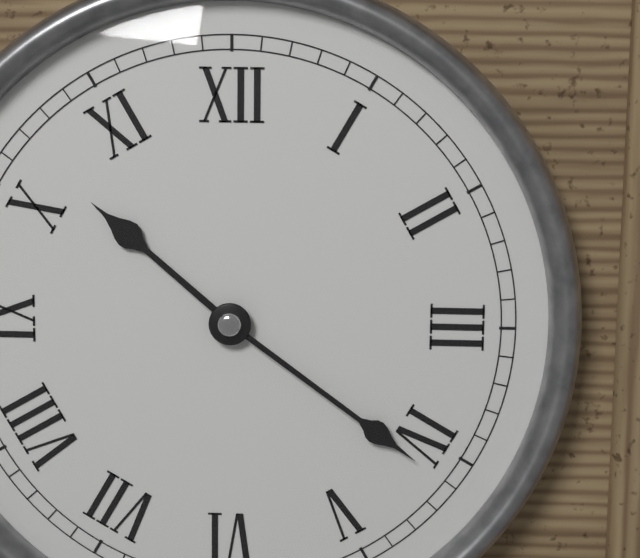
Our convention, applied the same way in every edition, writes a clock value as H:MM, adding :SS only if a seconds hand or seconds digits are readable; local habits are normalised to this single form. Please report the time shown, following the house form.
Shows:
10:21
